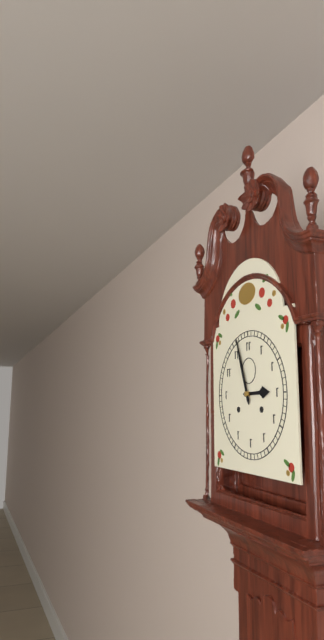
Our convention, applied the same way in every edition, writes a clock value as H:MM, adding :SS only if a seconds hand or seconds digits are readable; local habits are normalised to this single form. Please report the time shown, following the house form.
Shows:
2:57
